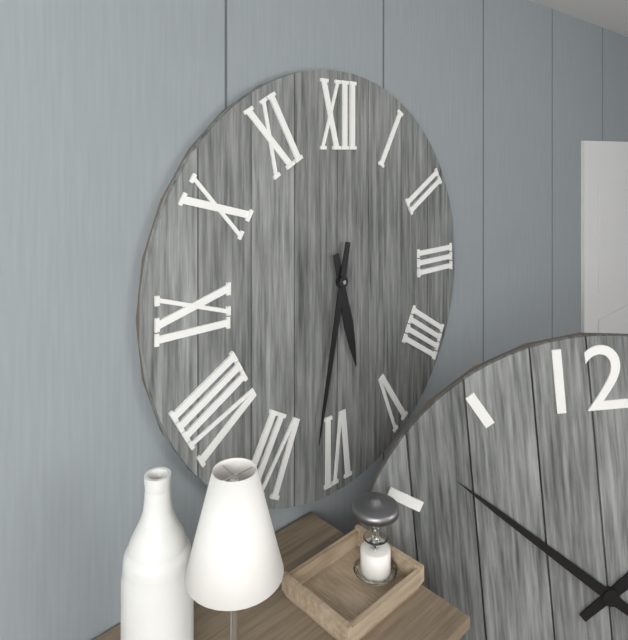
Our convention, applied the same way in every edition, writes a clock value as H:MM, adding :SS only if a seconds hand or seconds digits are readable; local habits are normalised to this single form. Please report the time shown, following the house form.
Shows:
5:32
